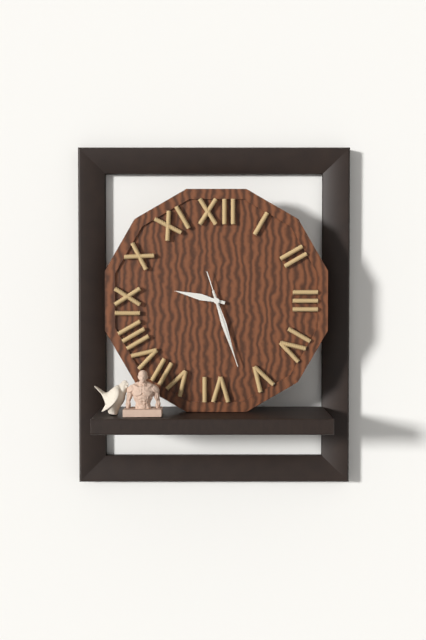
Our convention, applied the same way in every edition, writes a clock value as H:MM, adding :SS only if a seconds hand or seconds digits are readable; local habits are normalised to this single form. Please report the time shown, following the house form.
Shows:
9:27:27
